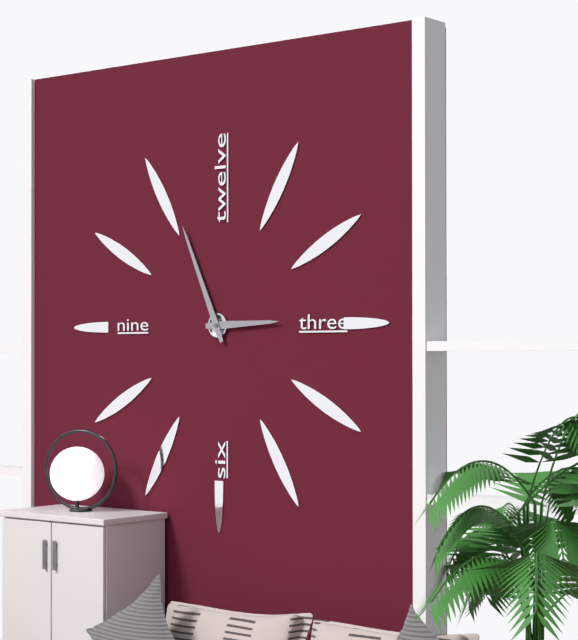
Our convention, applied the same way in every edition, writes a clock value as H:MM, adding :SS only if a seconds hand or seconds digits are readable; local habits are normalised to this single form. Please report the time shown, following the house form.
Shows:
2:56
